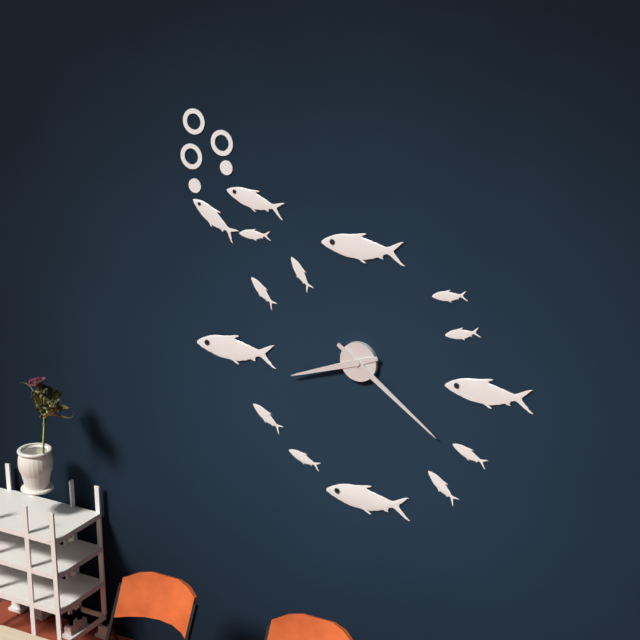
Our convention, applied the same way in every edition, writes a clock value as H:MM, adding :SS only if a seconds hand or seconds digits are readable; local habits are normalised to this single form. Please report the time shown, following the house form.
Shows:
8:21
